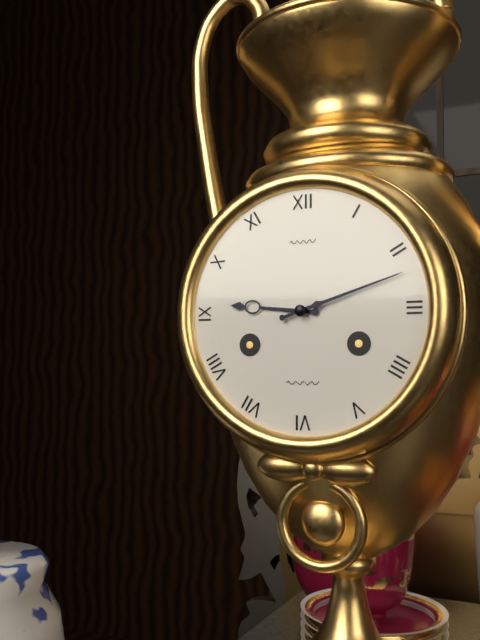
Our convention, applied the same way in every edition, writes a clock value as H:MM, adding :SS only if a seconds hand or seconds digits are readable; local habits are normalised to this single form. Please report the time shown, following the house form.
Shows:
9:12
